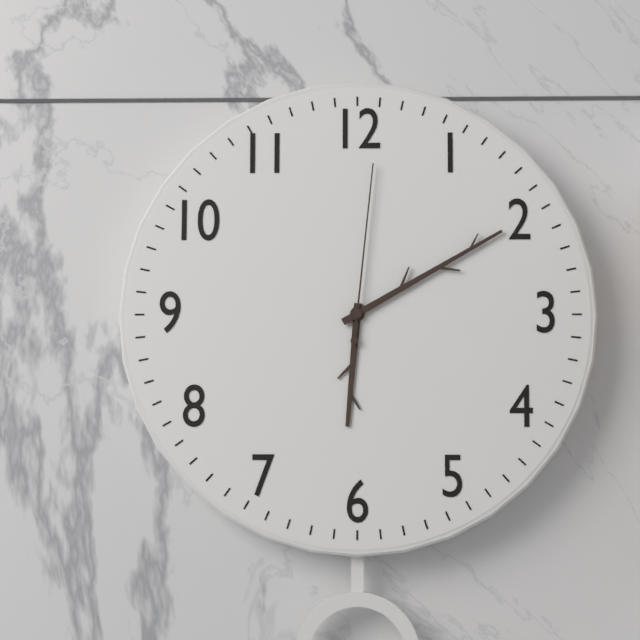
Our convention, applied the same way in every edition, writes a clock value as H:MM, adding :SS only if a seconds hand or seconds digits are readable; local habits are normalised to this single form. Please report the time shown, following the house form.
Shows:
6:10:01
